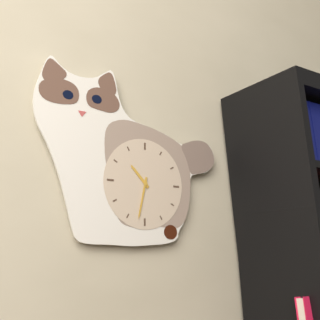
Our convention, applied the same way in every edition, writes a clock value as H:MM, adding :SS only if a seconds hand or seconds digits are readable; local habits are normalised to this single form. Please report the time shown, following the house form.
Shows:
10:32
